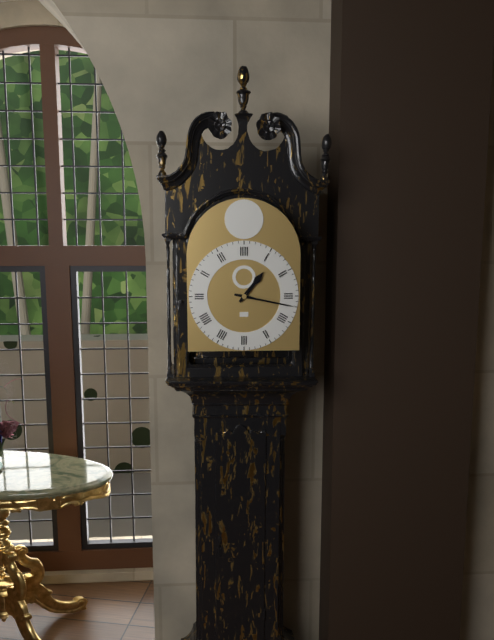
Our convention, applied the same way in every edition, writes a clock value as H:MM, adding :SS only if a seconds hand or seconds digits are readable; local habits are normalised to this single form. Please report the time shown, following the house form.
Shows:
1:17
